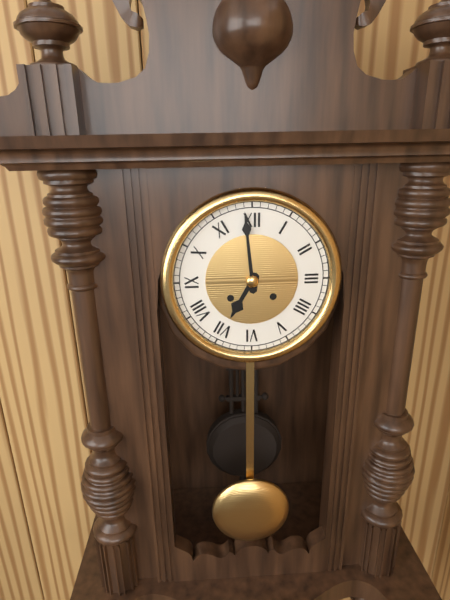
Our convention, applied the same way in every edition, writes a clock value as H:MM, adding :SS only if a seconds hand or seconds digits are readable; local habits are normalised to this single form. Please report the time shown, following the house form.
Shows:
6:59
